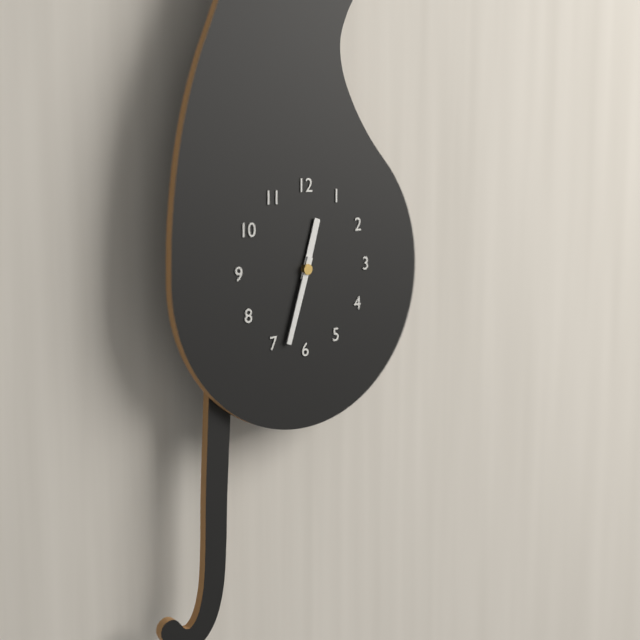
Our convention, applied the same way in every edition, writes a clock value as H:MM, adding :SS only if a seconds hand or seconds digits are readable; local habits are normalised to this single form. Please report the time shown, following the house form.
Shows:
12:33
